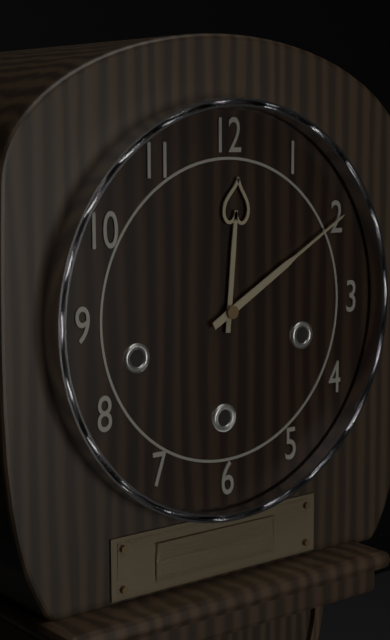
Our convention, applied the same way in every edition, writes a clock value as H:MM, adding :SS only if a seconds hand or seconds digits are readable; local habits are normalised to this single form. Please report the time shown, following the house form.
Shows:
12:10
